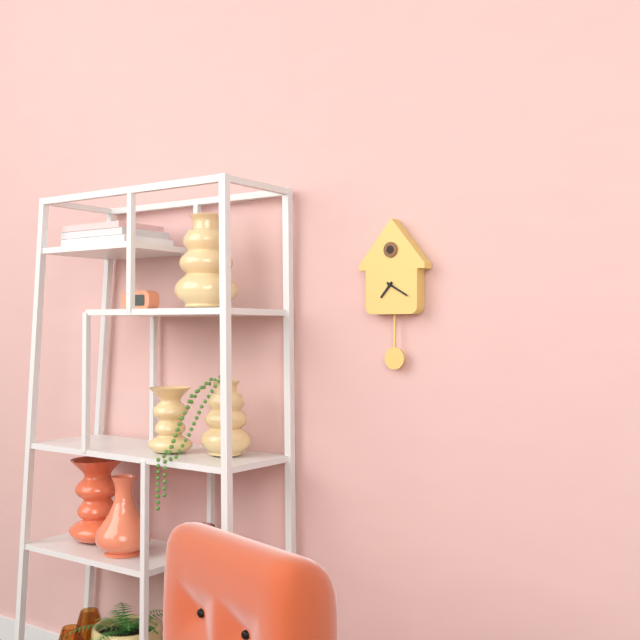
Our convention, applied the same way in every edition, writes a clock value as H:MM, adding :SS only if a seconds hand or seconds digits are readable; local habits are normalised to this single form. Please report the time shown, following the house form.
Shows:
7:20
